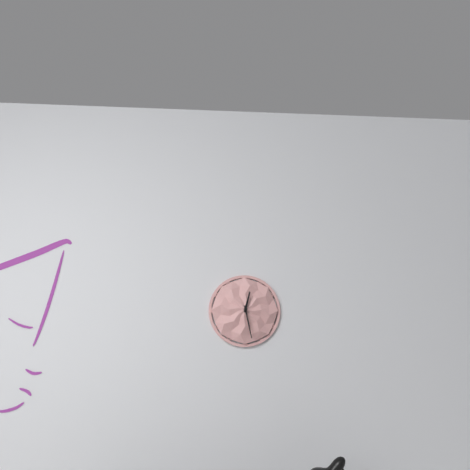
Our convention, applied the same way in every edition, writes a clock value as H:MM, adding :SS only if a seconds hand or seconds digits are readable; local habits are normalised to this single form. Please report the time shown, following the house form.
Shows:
12:28
